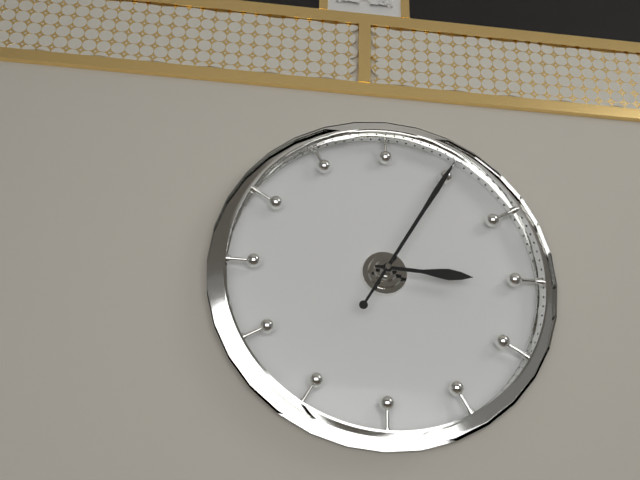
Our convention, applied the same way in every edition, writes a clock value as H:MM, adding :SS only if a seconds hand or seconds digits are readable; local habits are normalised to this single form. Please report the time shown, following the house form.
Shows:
3:05
